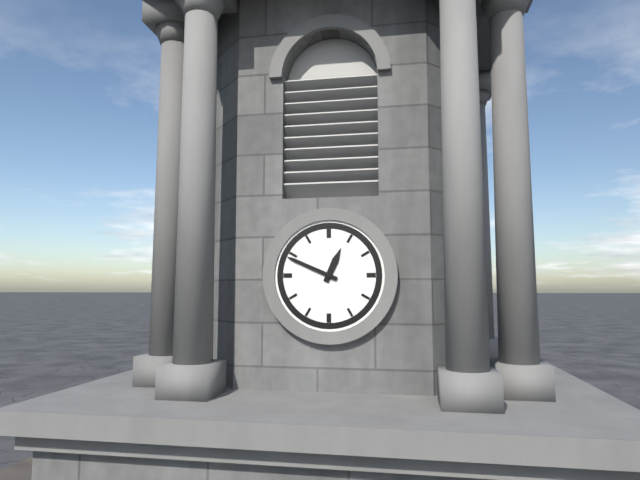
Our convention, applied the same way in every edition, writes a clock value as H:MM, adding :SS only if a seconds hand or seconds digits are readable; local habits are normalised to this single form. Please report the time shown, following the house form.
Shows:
12:49
